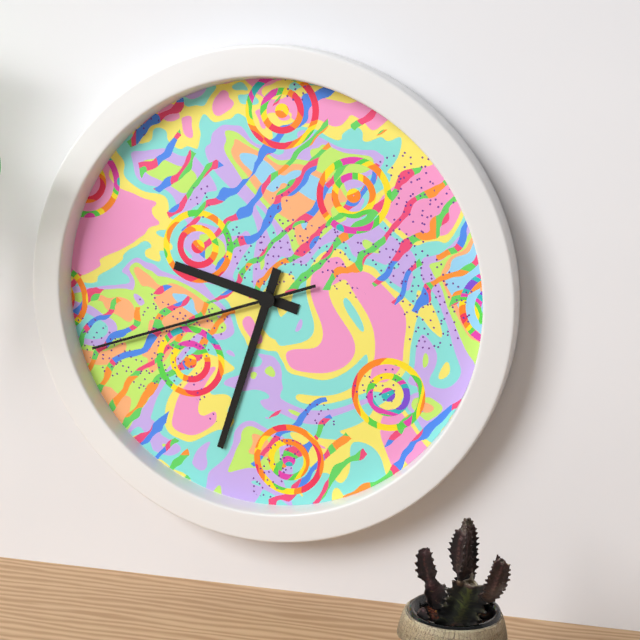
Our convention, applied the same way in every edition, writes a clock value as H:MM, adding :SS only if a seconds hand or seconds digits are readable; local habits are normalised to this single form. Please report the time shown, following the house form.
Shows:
9:33:42
